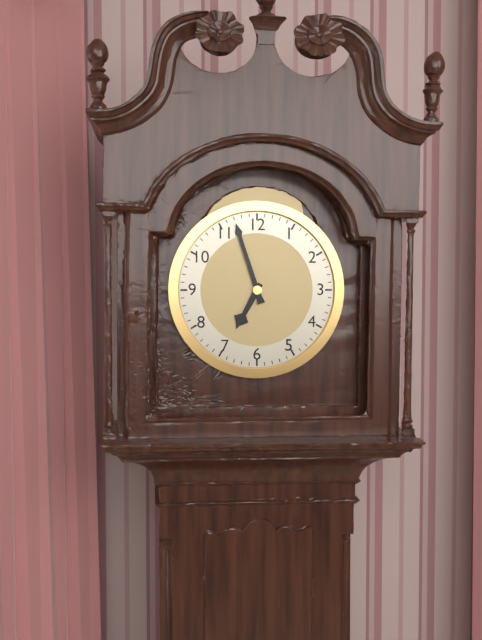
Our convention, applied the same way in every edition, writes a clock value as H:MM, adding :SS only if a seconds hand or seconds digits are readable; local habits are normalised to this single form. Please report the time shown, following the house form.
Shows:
6:57
